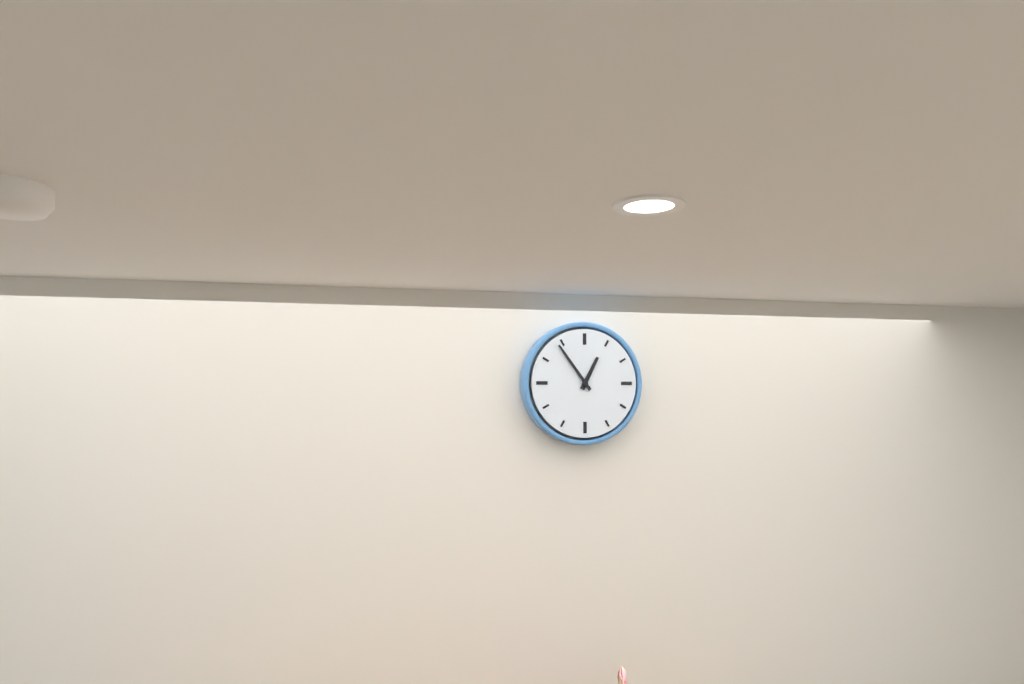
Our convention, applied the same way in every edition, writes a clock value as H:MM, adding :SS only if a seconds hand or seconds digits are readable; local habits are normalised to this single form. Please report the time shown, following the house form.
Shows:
12:54
